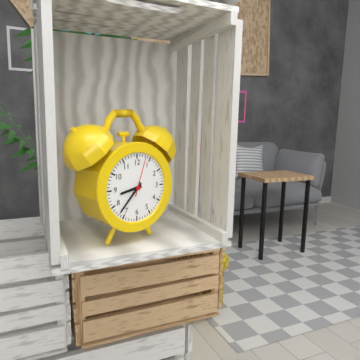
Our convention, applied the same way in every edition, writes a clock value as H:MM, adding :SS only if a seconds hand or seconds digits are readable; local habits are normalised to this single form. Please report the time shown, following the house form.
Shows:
8:37
